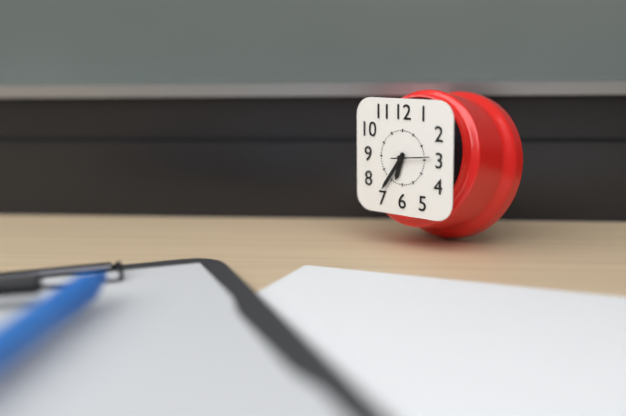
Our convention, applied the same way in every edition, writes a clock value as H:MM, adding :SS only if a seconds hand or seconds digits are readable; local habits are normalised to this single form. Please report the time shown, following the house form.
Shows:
6:36
